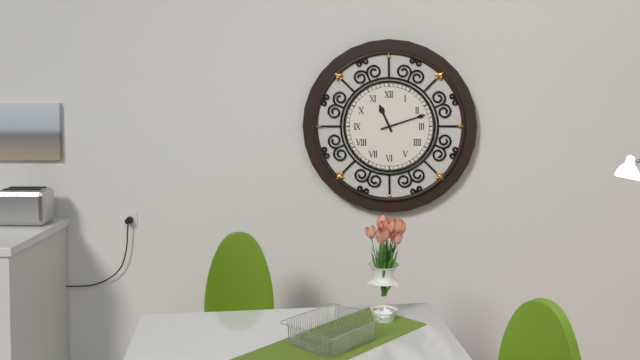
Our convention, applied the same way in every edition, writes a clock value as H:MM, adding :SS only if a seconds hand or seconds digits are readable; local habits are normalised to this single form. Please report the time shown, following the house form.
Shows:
11:12
